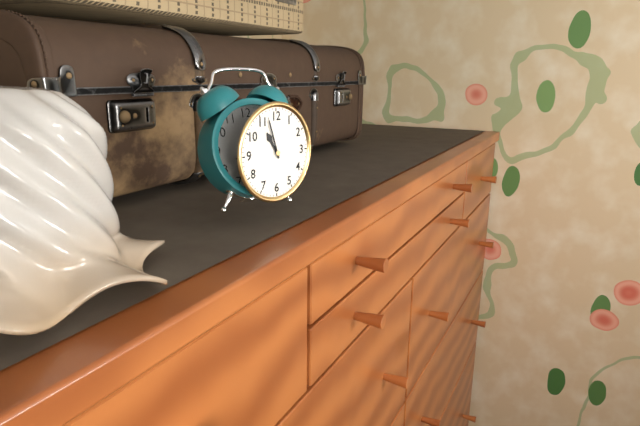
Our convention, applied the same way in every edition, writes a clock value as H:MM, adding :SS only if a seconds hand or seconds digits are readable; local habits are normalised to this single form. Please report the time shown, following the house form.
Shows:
10:57
